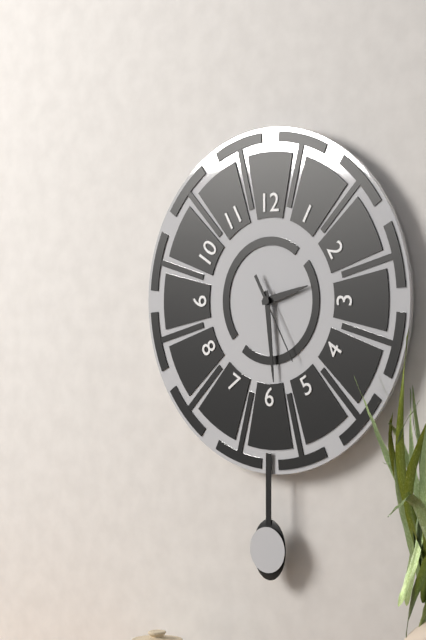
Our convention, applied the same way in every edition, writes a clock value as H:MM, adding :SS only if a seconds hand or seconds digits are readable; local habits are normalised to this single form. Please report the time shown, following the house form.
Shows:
2:29:25
